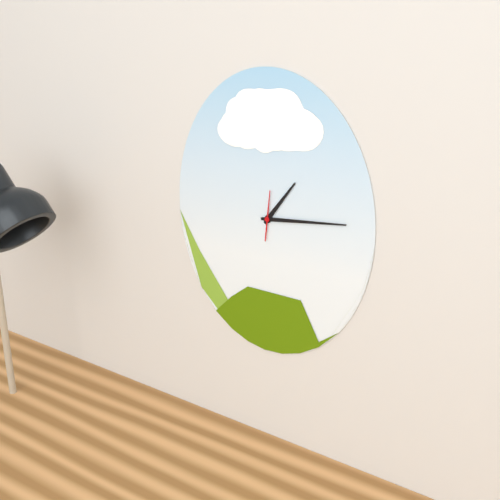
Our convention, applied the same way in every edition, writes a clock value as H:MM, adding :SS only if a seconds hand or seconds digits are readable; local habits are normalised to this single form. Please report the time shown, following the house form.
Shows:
1:14
